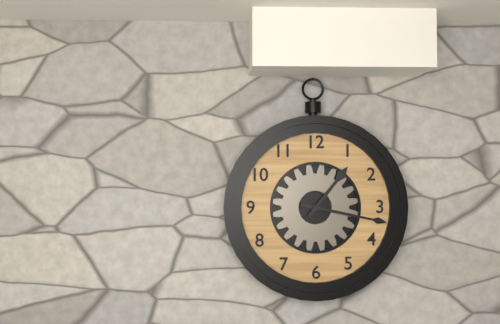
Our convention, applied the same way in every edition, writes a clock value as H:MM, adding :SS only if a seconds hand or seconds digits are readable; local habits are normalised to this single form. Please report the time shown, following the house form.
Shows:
1:17
